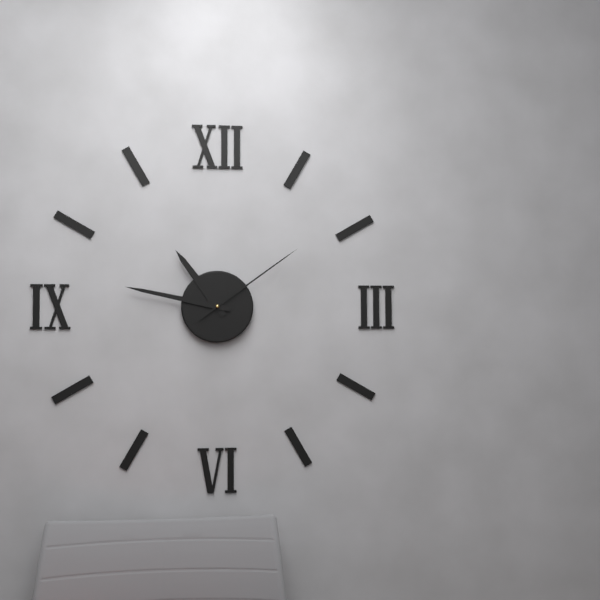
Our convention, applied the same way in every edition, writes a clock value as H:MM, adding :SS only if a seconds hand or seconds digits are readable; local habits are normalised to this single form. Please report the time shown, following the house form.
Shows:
10:47:09
